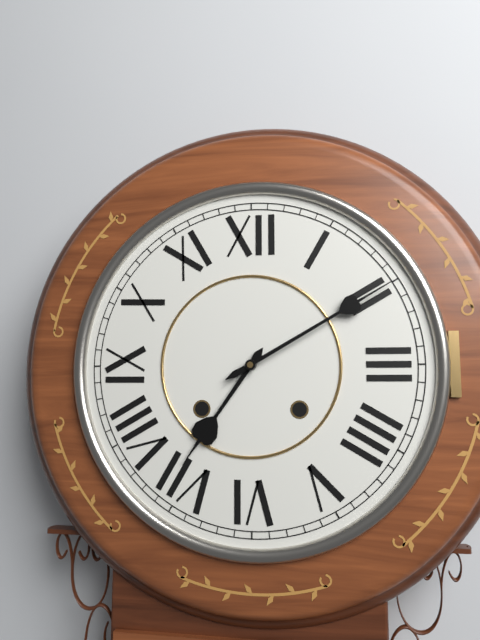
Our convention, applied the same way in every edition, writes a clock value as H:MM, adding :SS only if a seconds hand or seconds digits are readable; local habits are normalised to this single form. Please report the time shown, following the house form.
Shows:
7:10
